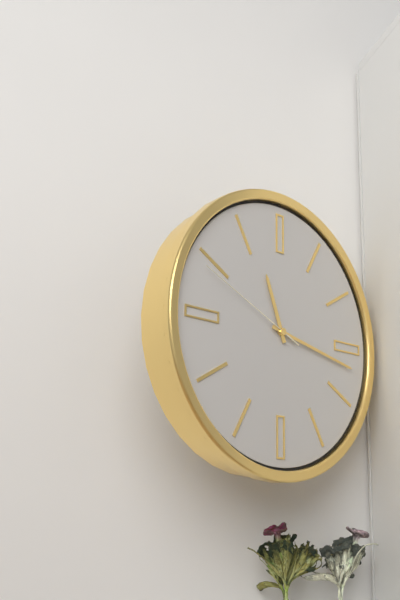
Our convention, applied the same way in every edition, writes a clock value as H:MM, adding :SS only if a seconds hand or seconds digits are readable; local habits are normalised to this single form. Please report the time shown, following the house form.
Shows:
11:17:49
